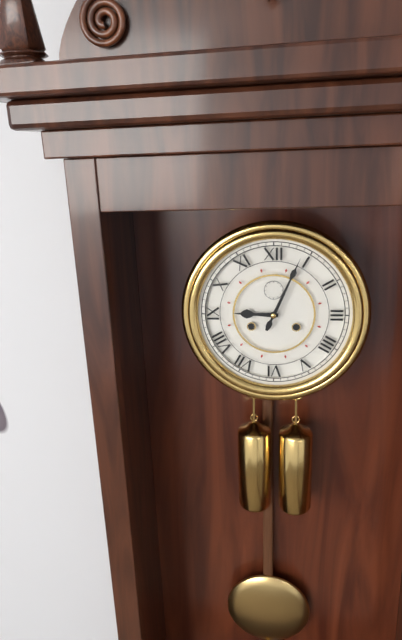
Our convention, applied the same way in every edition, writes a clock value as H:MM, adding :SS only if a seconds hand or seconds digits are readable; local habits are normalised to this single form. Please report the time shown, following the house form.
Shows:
9:04
